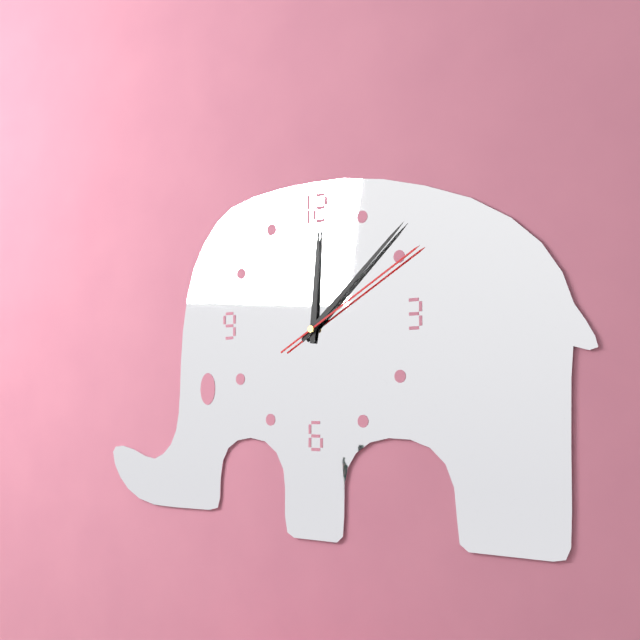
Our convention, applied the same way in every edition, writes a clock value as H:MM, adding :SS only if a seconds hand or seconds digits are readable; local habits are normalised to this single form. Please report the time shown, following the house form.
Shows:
12:08:10
